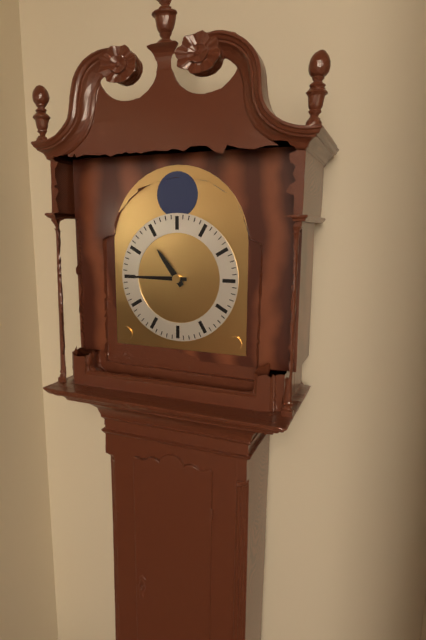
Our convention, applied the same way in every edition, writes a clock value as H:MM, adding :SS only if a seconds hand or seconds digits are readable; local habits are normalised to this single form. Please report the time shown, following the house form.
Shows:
10:45
